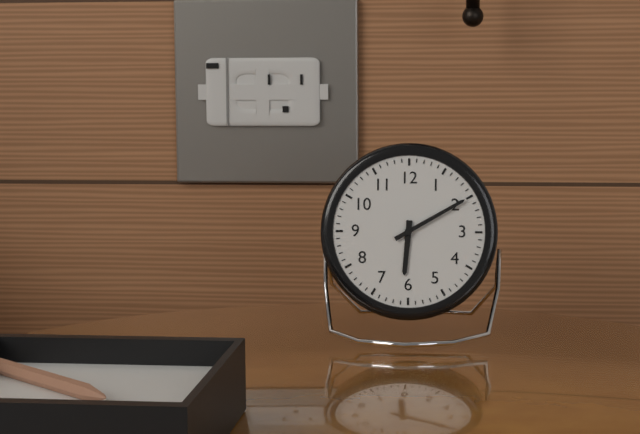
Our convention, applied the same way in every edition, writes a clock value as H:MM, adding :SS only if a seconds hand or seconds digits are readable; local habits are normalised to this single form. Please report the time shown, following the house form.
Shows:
6:10
